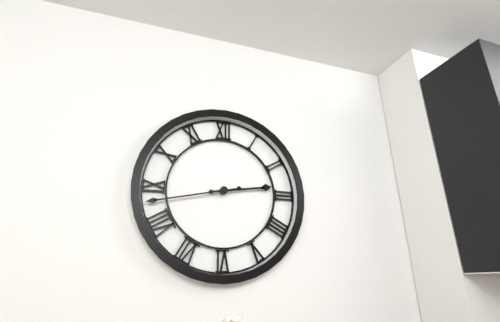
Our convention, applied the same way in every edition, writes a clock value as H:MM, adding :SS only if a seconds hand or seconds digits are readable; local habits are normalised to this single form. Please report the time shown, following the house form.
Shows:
2:43
